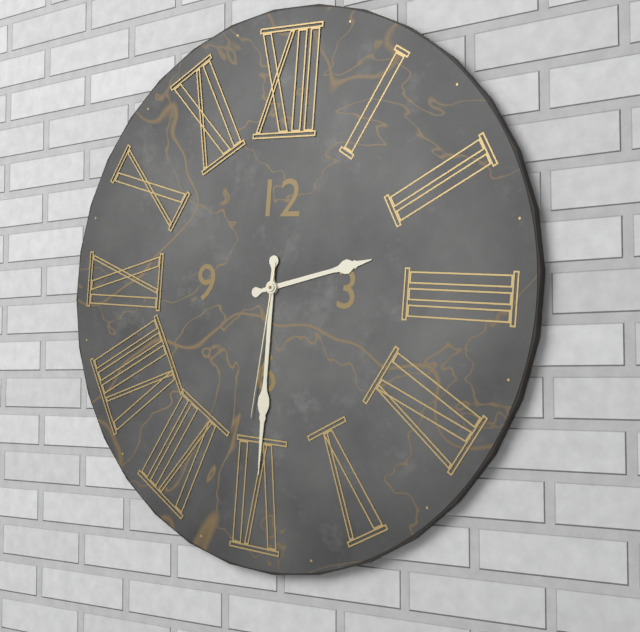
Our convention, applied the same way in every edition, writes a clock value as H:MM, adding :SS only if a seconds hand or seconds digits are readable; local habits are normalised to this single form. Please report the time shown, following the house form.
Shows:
2:30:31
